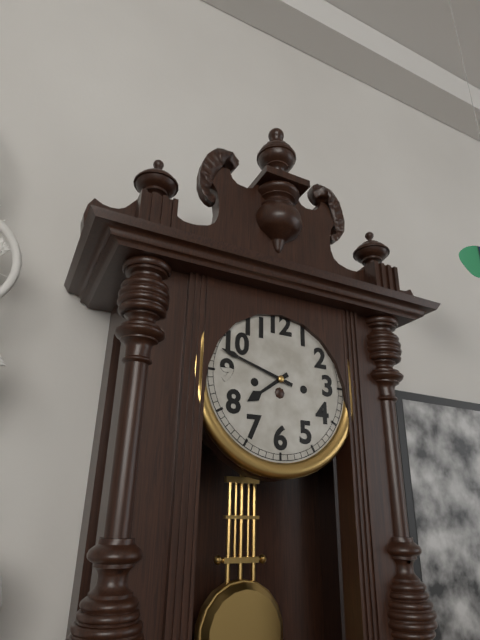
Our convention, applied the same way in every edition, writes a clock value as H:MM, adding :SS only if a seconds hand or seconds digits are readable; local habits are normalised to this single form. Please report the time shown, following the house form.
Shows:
7:48
